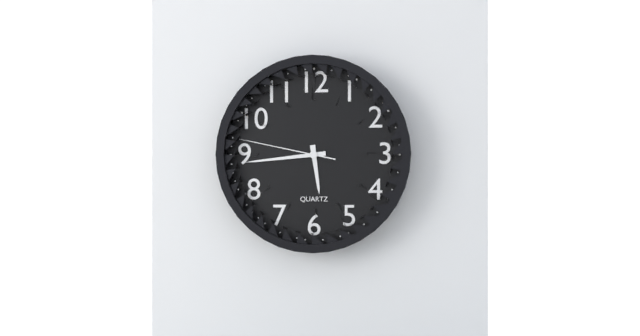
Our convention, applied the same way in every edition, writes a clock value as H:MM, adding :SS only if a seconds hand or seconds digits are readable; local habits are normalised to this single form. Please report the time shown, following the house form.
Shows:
5:44:47
